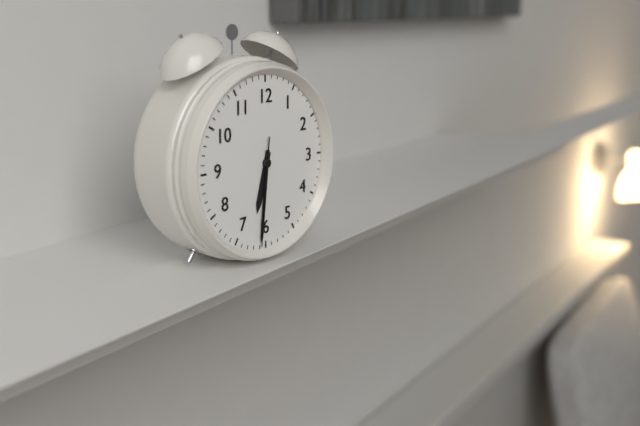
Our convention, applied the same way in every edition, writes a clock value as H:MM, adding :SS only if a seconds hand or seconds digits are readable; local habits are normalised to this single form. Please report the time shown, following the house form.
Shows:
6:31:31
